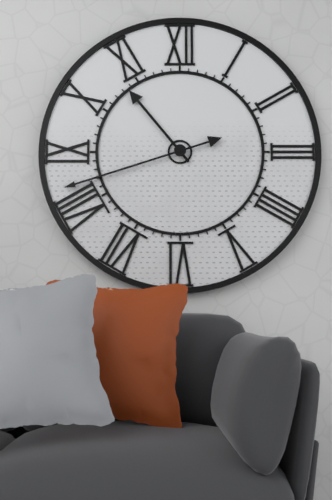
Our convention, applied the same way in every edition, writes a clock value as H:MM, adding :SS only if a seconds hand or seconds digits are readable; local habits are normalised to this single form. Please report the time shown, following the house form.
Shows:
10:42
